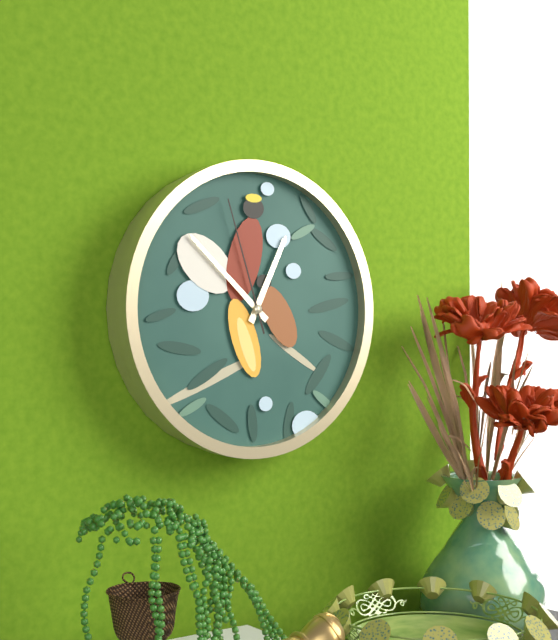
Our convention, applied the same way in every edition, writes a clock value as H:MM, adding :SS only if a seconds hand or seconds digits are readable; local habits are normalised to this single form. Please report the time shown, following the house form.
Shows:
12:52:57
